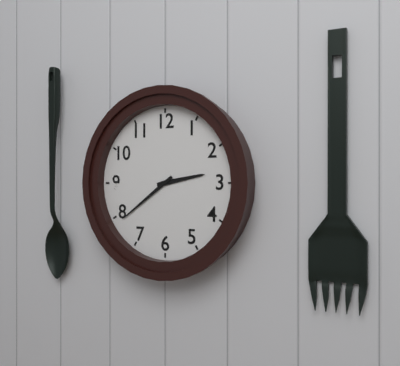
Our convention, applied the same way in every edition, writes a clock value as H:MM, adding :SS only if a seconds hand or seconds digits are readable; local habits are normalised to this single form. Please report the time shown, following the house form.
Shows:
2:39
